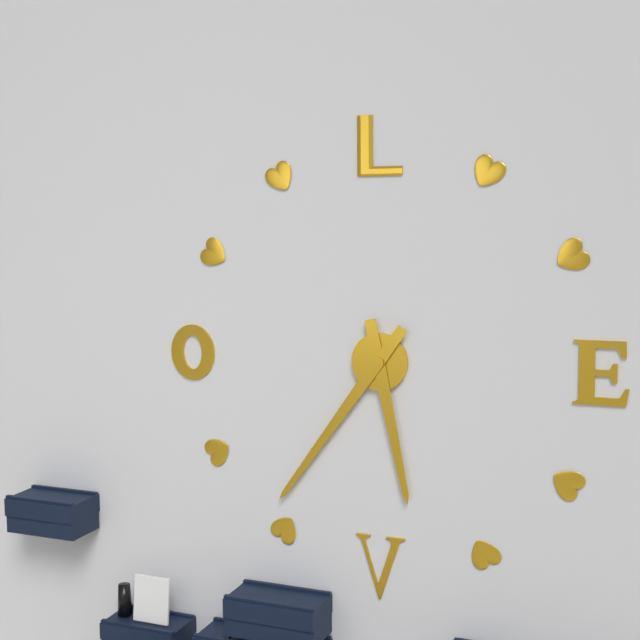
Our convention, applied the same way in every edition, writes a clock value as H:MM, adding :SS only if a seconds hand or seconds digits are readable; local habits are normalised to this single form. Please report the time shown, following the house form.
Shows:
5:36
